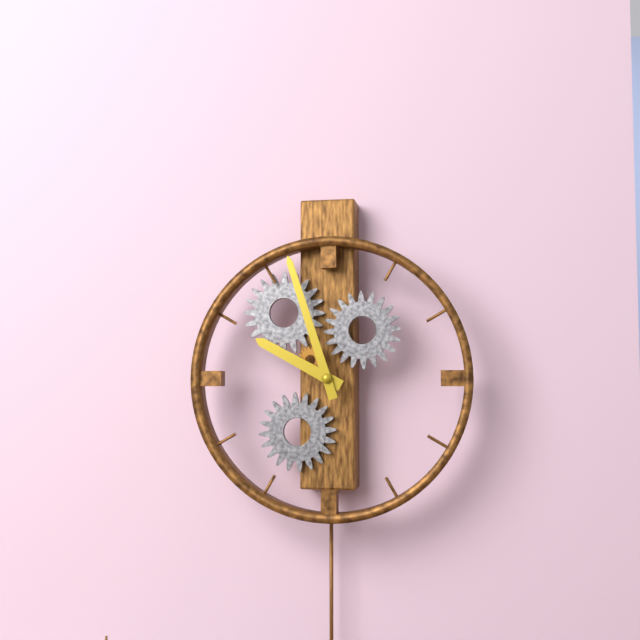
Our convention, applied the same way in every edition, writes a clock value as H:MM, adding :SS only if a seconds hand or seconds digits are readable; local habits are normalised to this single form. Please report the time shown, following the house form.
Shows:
9:57
